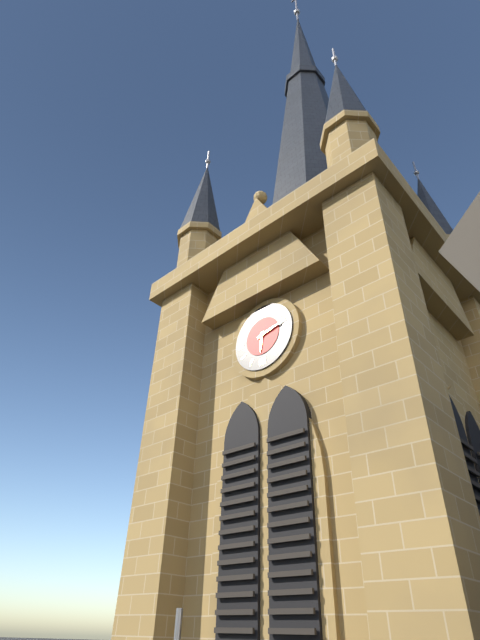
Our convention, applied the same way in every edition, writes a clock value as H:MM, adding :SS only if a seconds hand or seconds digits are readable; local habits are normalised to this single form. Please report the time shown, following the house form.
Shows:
6:13
